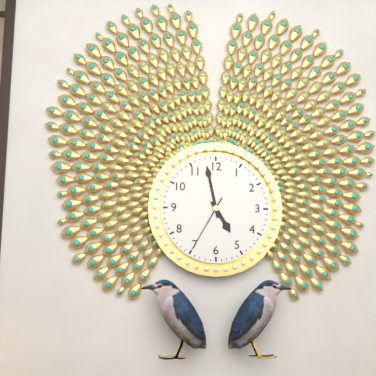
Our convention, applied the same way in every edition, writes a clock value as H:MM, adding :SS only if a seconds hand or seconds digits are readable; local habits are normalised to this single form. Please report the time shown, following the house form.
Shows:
4:58:35
